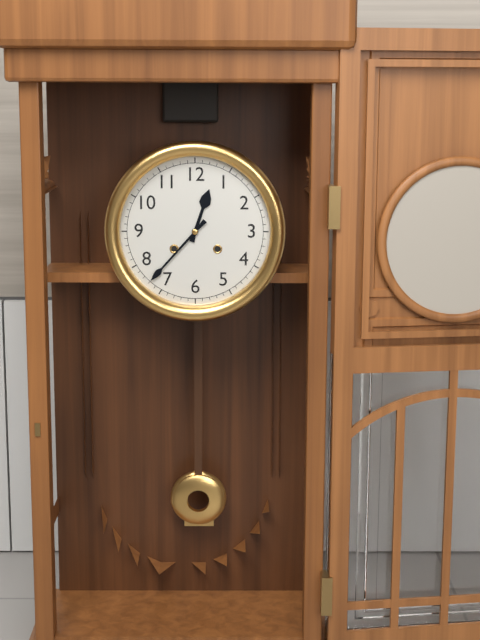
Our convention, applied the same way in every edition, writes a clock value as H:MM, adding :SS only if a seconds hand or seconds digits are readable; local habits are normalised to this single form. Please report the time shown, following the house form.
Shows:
12:37
